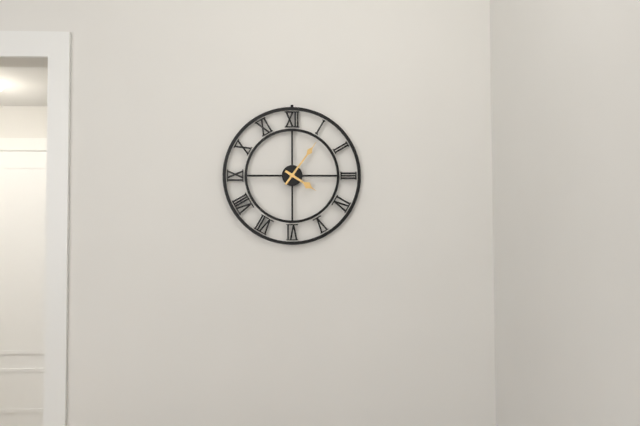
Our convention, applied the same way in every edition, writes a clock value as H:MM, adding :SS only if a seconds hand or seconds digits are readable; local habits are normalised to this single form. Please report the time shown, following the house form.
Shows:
4:06
